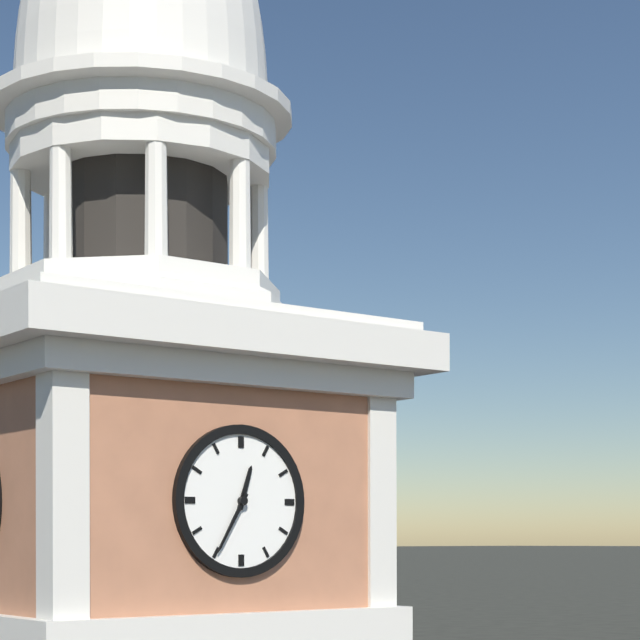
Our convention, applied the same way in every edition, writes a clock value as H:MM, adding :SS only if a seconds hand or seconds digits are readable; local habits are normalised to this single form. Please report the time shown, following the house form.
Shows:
12:35
